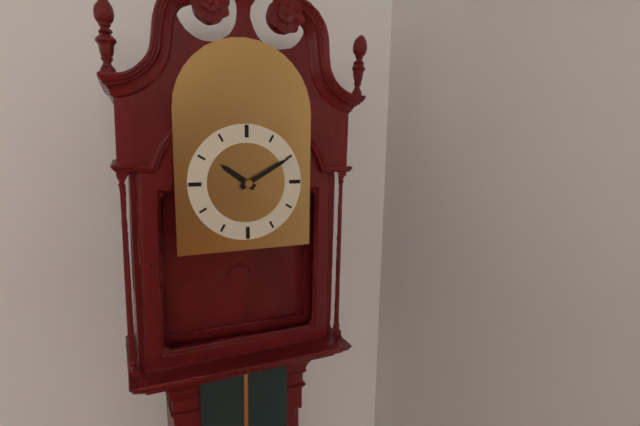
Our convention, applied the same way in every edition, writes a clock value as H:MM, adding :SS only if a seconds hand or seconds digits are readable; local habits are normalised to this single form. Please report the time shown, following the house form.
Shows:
10:10
